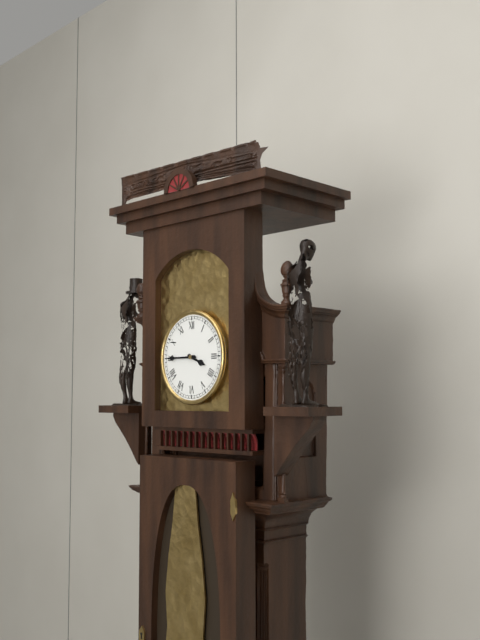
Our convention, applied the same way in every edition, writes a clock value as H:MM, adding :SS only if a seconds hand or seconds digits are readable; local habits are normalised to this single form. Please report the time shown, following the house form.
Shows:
3:45
